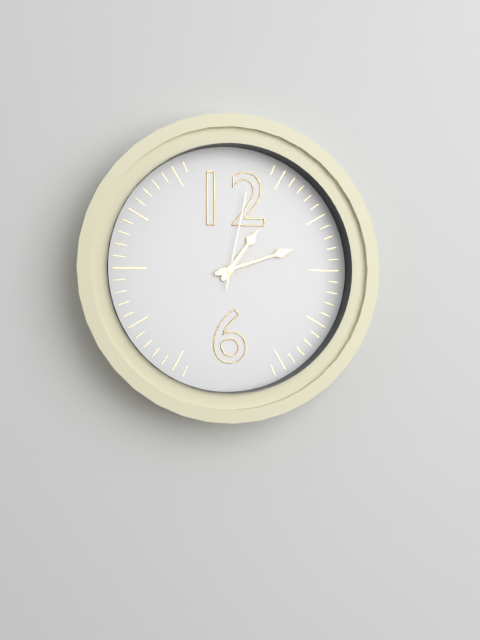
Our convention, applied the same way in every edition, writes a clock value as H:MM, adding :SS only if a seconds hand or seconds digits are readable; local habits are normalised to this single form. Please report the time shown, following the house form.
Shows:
1:12:02
